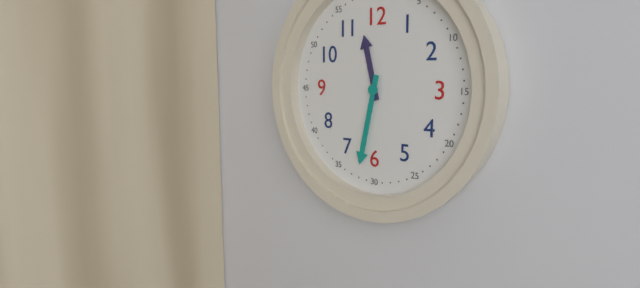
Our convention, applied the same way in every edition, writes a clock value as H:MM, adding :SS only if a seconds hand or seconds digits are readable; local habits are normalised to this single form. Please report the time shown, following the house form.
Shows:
11:32
